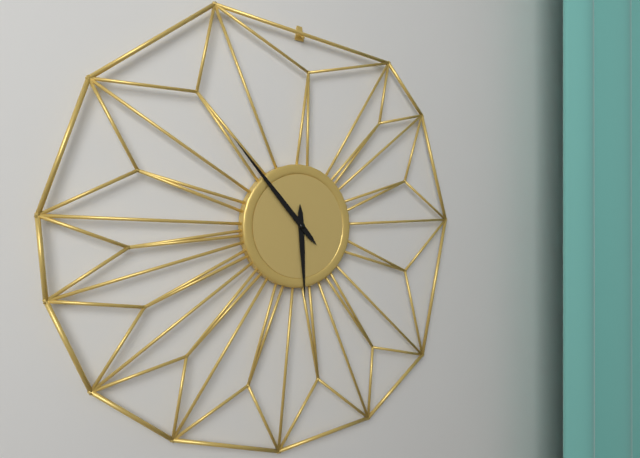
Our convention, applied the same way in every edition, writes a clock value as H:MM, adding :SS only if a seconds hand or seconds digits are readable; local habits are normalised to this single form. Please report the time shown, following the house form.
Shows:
5:53
